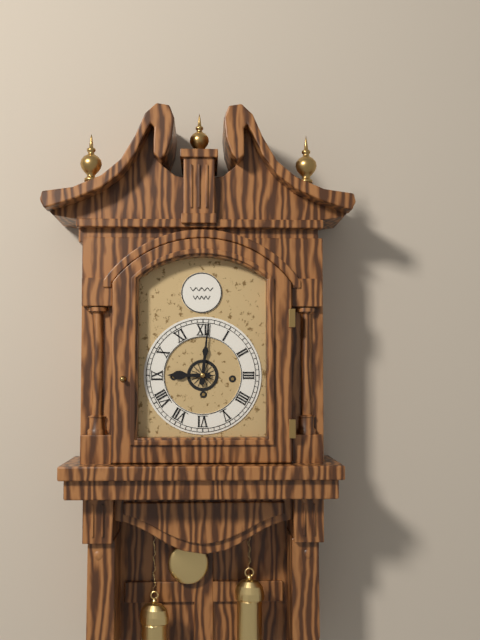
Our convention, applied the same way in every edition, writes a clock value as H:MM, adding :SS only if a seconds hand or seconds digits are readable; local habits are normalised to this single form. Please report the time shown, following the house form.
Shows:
9:01
